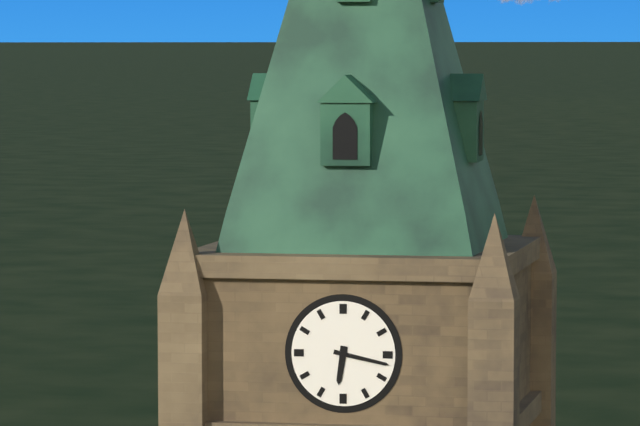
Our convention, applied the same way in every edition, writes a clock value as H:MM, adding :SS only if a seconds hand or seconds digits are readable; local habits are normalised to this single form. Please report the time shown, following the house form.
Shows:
6:17
